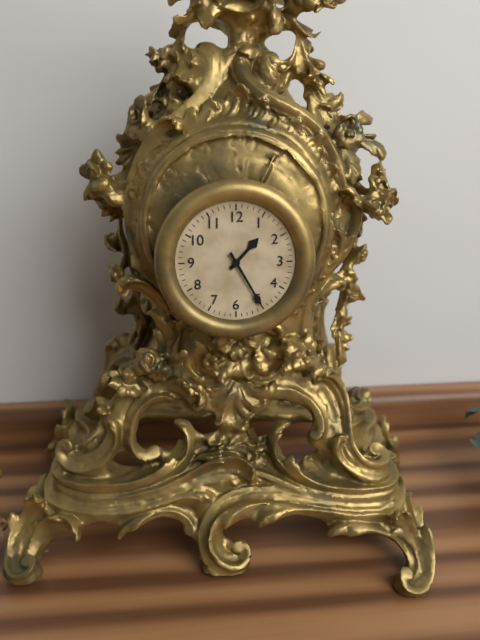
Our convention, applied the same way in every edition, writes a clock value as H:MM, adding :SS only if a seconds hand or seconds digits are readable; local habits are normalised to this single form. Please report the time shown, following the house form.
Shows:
1:25
